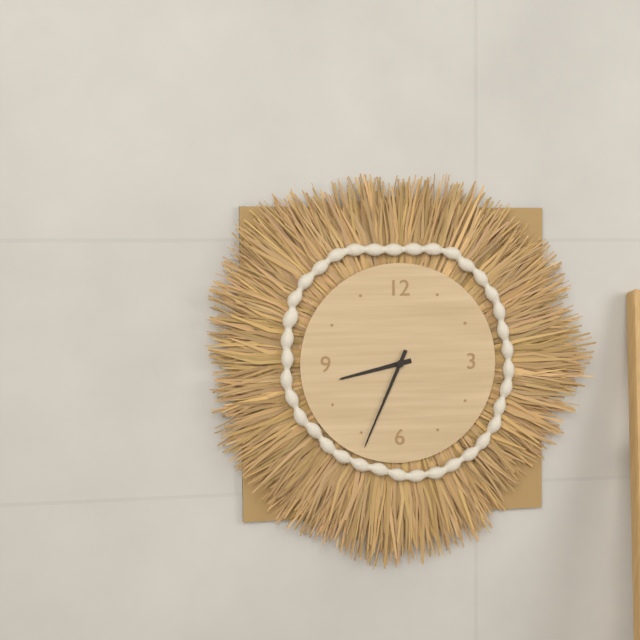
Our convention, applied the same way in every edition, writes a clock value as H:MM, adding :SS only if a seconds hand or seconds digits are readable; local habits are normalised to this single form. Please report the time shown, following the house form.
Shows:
8:34
